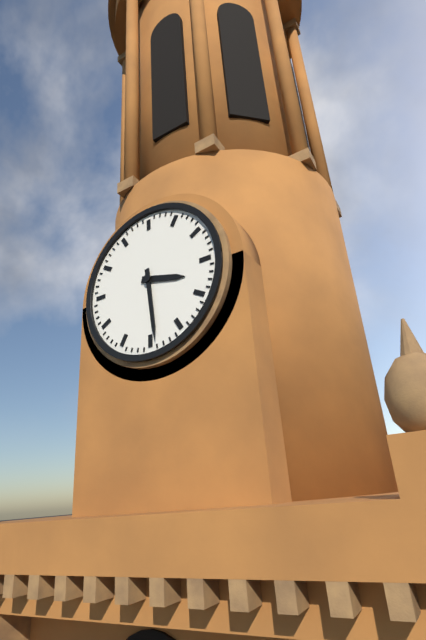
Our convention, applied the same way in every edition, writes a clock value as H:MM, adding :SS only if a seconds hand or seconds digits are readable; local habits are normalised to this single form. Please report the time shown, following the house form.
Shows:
3:29
